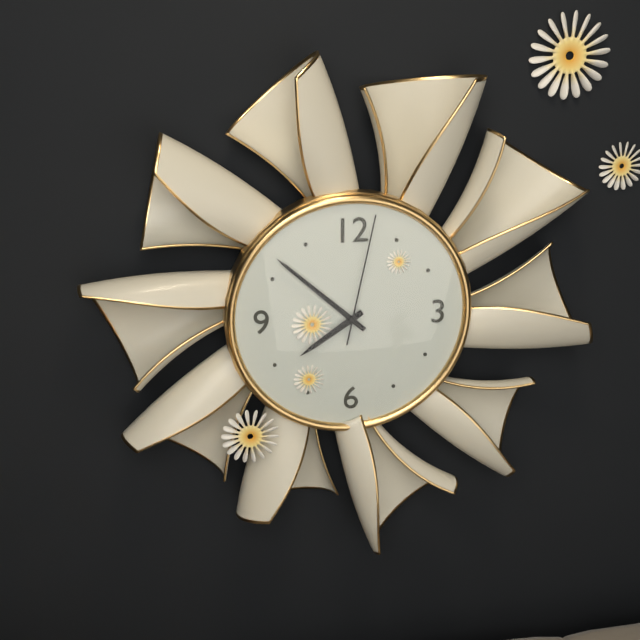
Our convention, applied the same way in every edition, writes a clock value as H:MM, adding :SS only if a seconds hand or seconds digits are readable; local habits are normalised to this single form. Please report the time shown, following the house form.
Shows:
7:52:02
